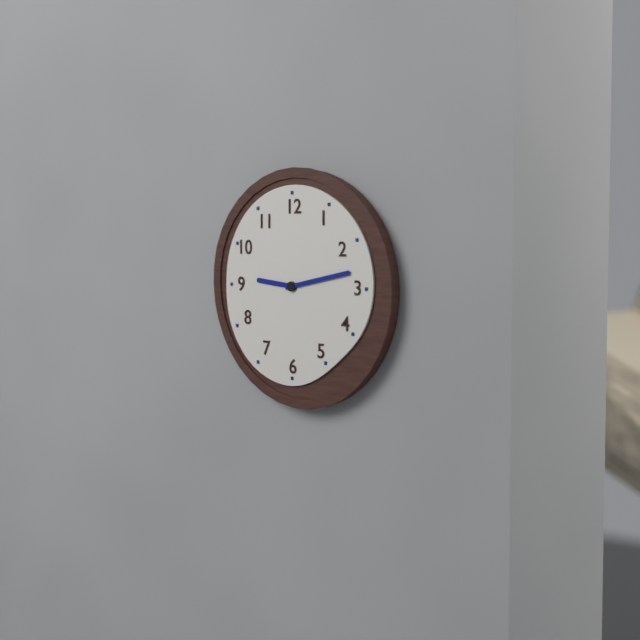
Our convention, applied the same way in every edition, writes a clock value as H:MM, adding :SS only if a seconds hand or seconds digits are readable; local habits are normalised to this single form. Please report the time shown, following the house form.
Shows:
9:13
